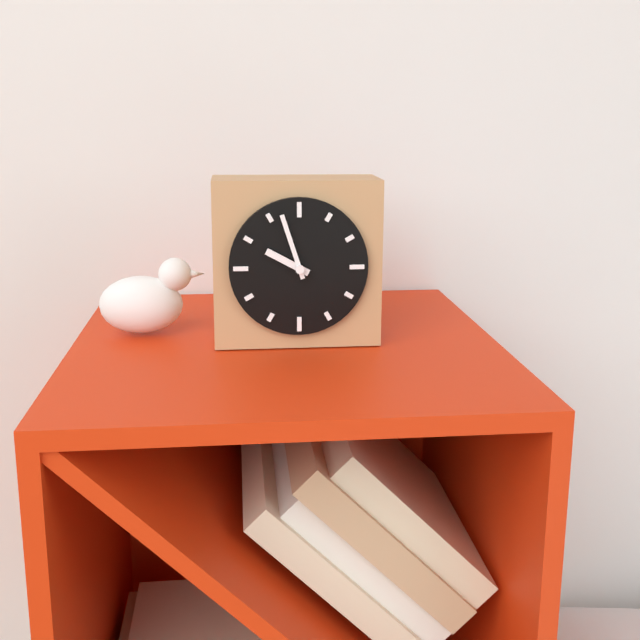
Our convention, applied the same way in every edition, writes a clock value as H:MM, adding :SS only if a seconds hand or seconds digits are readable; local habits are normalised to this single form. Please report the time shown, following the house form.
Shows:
9:57
